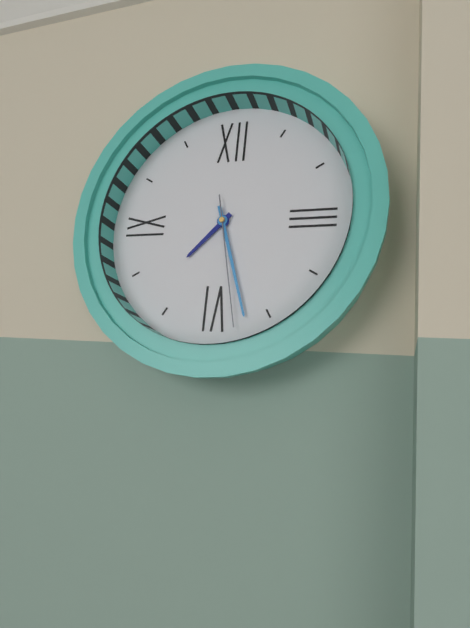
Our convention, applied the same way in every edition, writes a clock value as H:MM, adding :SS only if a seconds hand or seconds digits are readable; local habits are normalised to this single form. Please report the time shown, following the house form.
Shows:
7:27:28
